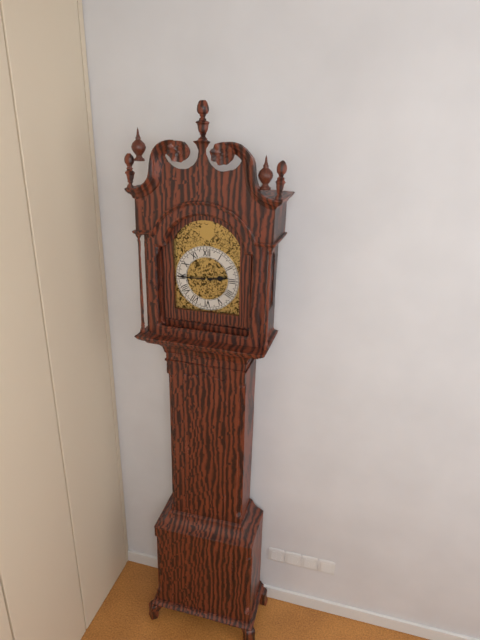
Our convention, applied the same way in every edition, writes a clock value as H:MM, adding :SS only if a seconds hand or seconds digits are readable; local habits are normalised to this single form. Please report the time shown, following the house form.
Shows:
2:45
